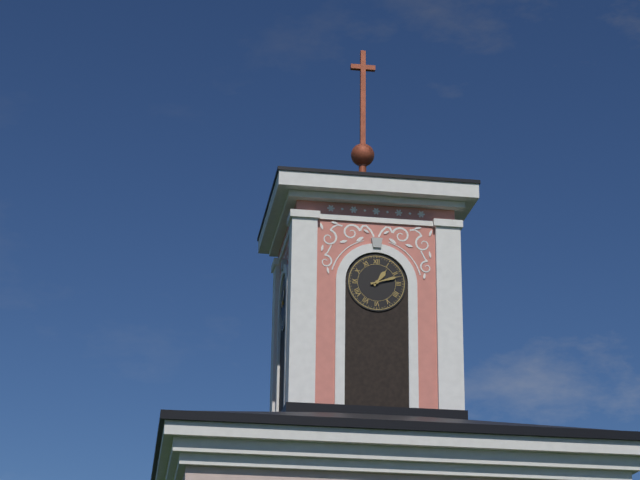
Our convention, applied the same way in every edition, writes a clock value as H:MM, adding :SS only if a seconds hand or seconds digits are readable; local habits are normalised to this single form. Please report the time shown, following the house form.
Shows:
1:12
